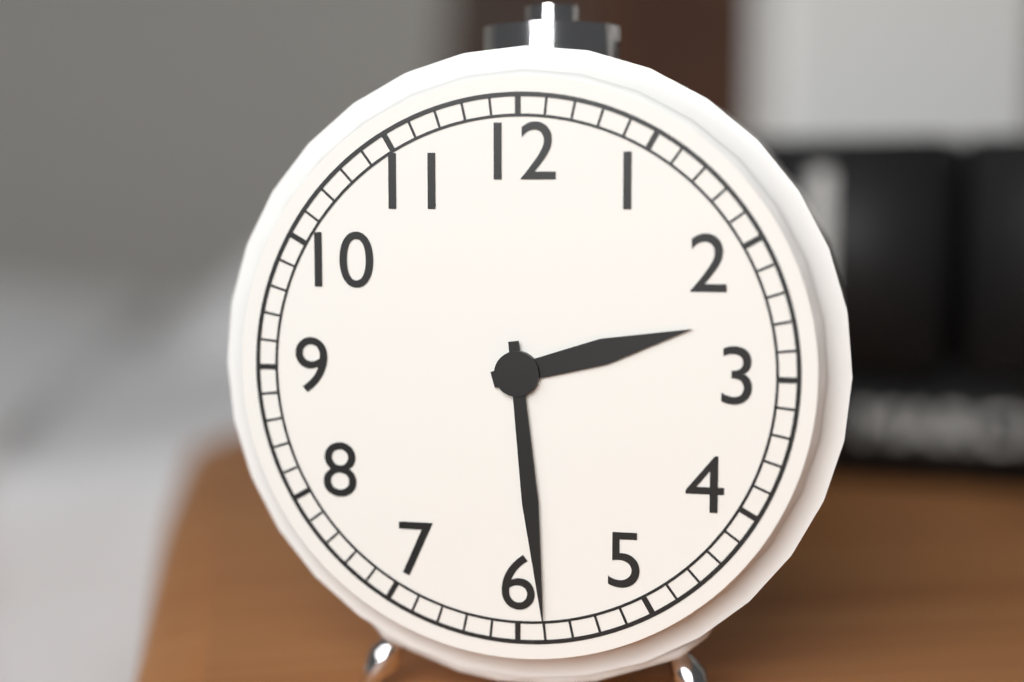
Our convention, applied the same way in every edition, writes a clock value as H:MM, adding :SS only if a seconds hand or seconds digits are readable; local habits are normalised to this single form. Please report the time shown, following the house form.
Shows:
2:29
